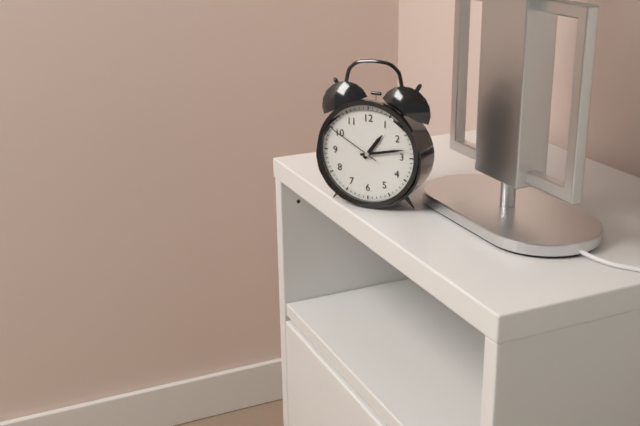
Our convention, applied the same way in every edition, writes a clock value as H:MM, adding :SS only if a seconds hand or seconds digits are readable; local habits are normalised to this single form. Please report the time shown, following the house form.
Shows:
1:13:50
